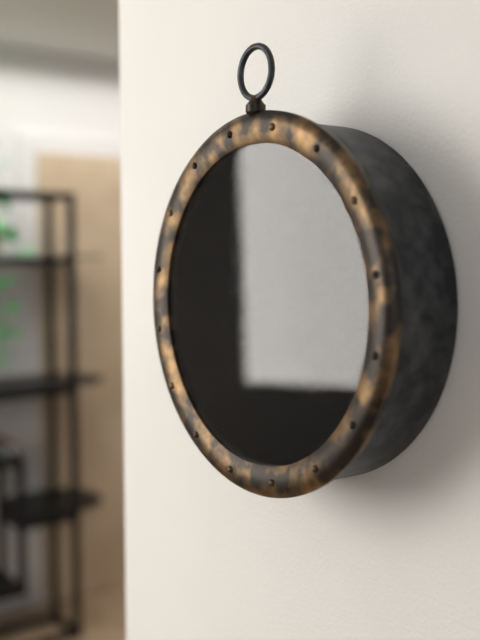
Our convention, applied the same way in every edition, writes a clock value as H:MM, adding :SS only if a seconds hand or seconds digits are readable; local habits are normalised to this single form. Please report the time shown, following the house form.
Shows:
5:59
